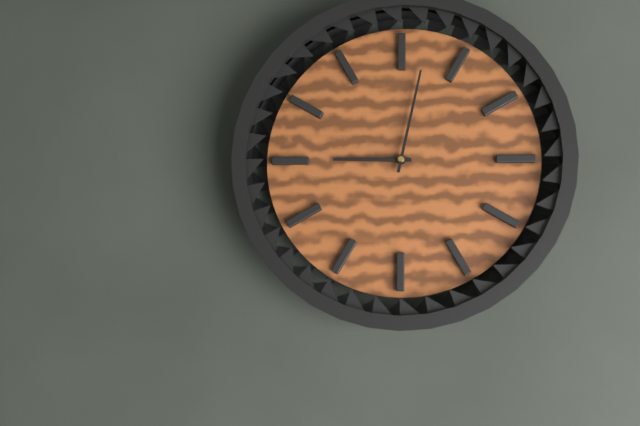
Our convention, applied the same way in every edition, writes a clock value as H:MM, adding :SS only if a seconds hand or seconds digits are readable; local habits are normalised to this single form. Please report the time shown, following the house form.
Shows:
9:02
